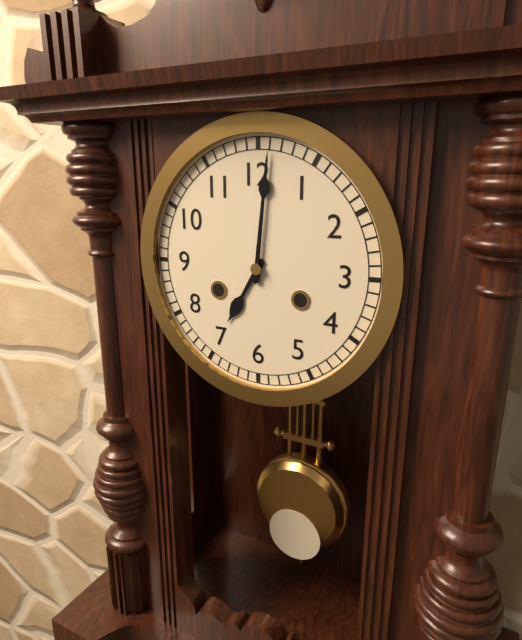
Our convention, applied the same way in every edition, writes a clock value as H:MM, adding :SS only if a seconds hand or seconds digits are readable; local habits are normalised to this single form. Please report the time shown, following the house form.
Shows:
7:01
